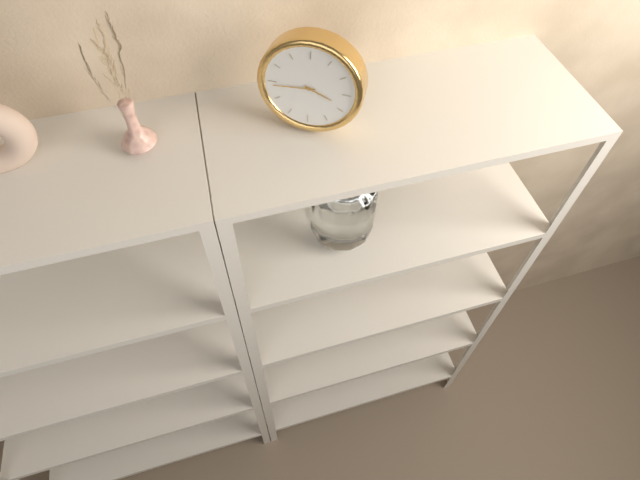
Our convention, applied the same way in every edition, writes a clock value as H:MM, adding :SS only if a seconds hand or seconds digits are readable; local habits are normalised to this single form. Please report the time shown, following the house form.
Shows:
3:44
